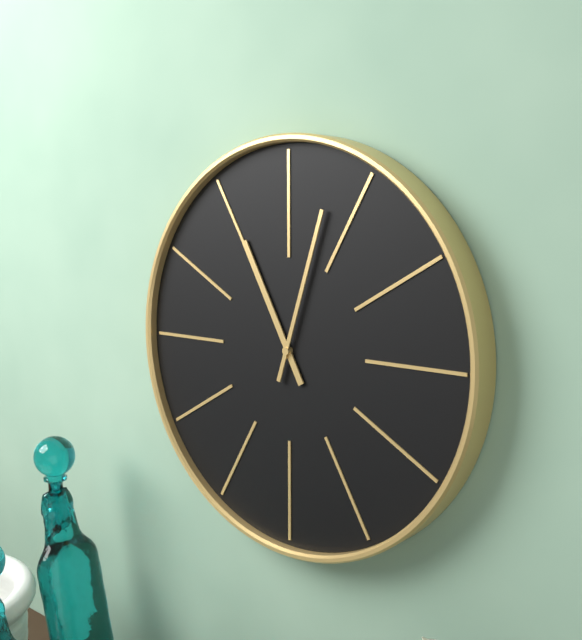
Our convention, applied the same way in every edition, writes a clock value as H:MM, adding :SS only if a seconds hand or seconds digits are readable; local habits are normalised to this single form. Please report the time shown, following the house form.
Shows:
11:03
